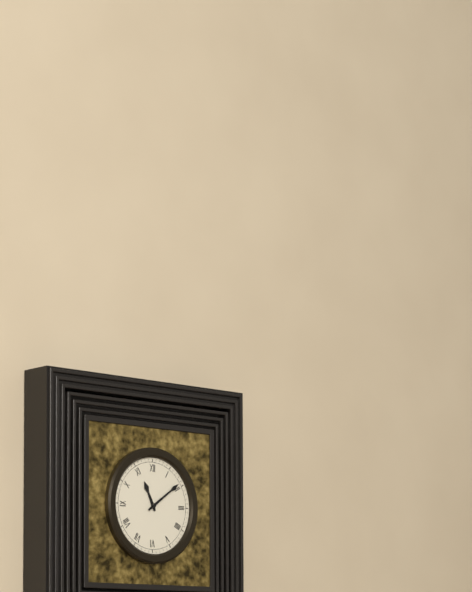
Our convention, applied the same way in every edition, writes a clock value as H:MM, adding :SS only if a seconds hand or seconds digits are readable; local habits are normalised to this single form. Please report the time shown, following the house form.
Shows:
11:09
